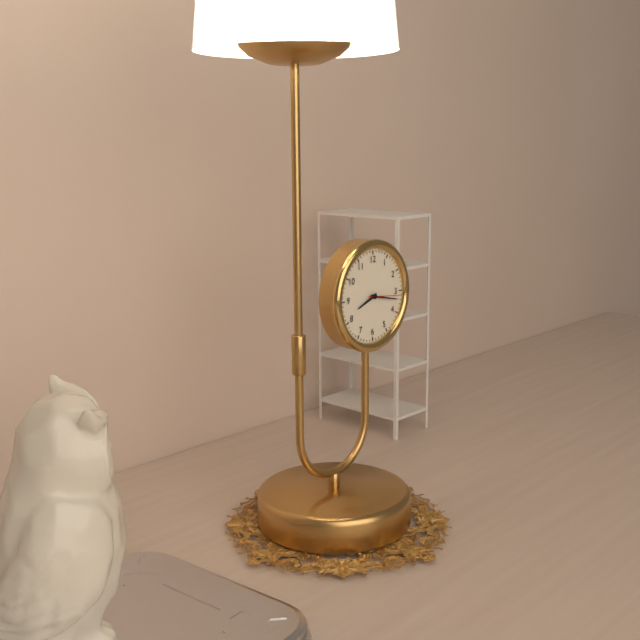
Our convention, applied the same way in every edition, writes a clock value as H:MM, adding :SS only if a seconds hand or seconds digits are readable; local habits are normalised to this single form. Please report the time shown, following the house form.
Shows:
8:17
